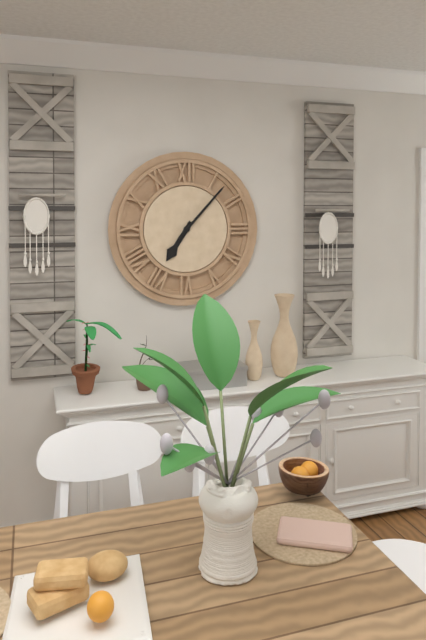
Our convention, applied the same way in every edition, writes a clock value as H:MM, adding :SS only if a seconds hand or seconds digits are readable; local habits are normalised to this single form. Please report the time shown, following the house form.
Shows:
7:07
